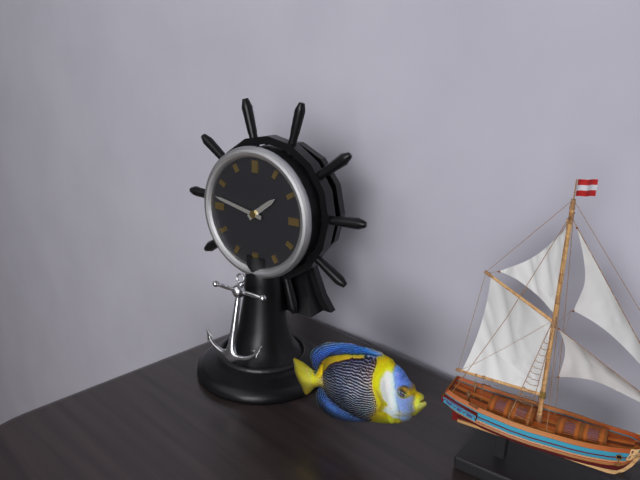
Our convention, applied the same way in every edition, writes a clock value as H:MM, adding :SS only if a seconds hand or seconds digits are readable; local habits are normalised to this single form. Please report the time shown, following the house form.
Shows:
1:47
